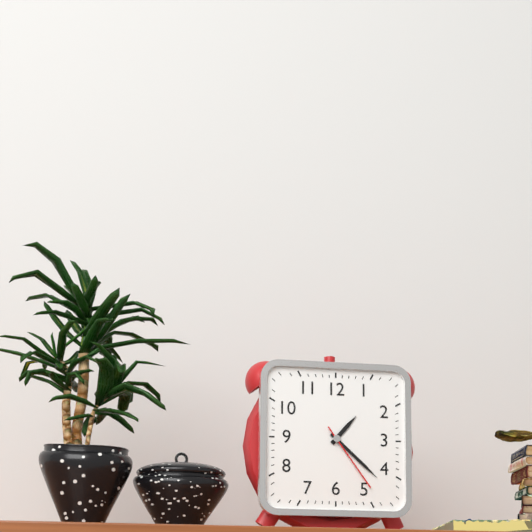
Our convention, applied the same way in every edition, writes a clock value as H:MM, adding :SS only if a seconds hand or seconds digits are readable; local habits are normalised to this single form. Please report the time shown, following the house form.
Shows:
1:22:24
